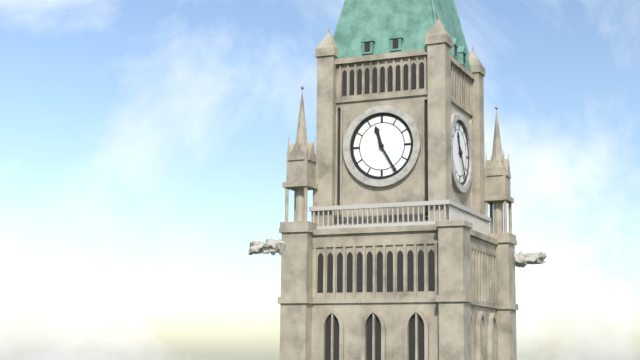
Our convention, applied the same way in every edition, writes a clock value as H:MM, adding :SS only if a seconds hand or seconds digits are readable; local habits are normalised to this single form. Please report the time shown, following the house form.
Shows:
11:25
